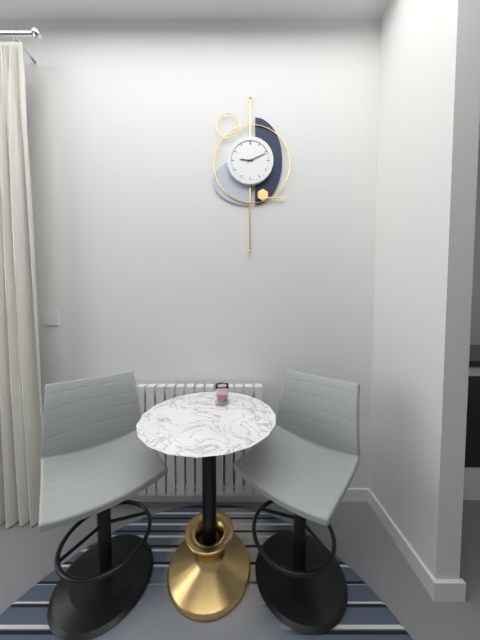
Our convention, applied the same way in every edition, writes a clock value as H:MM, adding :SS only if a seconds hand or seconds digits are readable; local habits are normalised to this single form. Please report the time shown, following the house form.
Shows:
9:11
